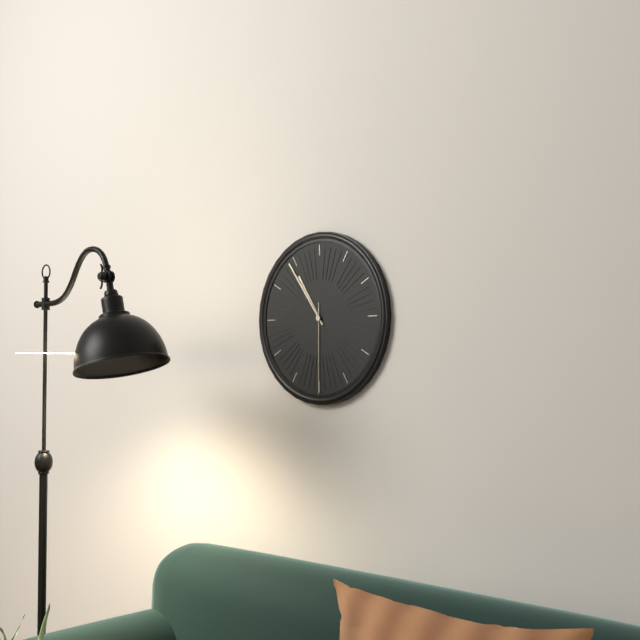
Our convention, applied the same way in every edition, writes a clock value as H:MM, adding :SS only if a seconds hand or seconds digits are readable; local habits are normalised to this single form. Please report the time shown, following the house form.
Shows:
10:54:30
